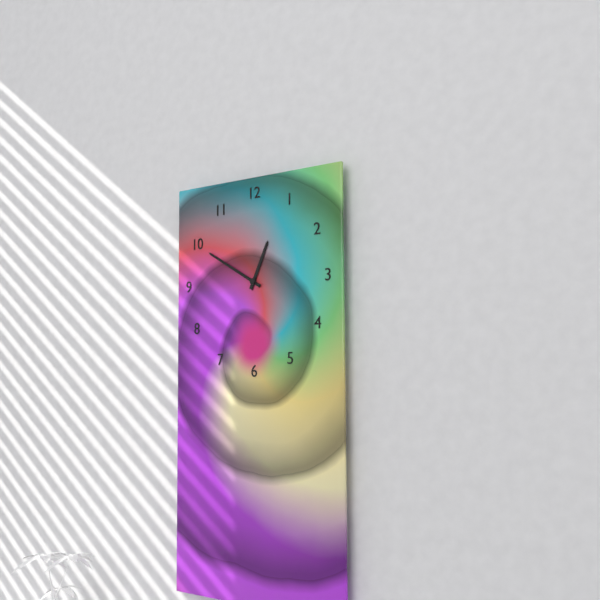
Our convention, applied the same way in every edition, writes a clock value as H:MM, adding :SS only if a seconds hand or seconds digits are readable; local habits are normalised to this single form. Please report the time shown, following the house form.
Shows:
12:50
